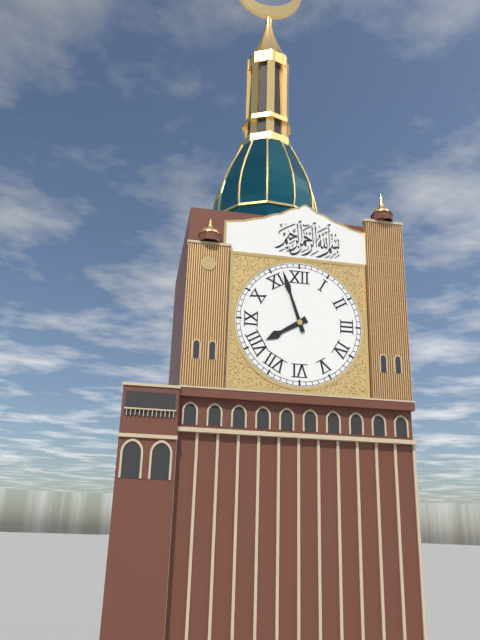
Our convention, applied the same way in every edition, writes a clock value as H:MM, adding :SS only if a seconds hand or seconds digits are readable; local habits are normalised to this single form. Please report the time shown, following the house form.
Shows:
7:57
